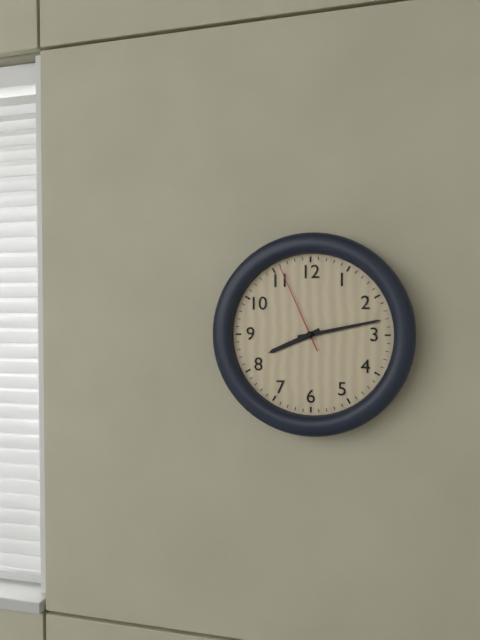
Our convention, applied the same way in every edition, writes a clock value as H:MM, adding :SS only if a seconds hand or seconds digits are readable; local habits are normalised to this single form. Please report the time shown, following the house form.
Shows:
8:13:56
